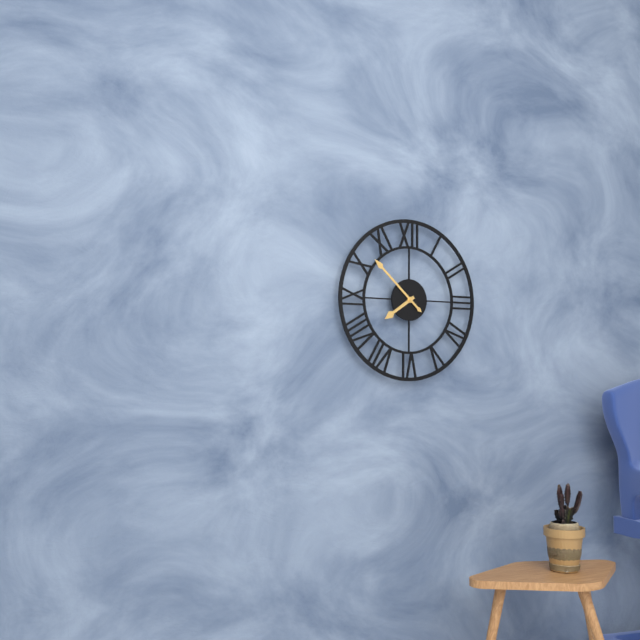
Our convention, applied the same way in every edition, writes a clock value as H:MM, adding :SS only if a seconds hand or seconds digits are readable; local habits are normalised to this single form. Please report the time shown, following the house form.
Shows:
7:52
